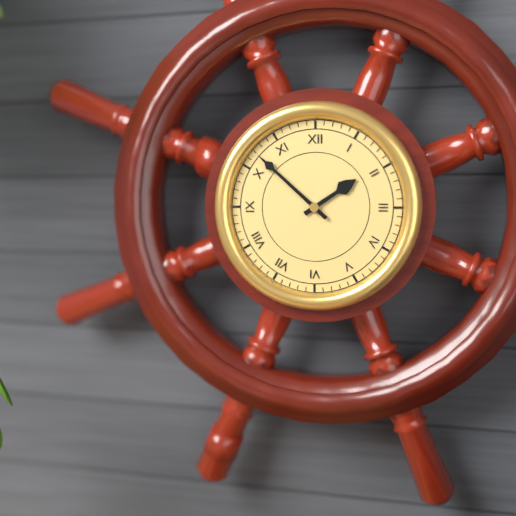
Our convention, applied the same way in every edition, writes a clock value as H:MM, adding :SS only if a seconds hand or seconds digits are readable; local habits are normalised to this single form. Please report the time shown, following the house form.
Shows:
1:52
